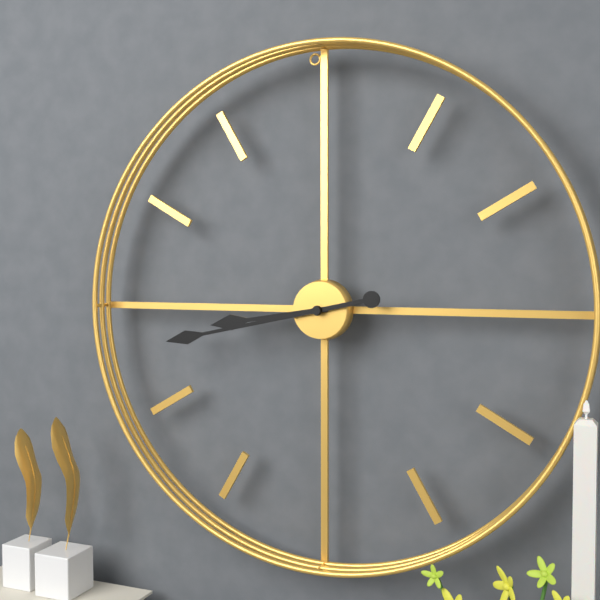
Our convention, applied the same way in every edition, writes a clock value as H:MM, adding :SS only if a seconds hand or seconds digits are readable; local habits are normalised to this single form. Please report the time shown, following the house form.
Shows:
8:43
